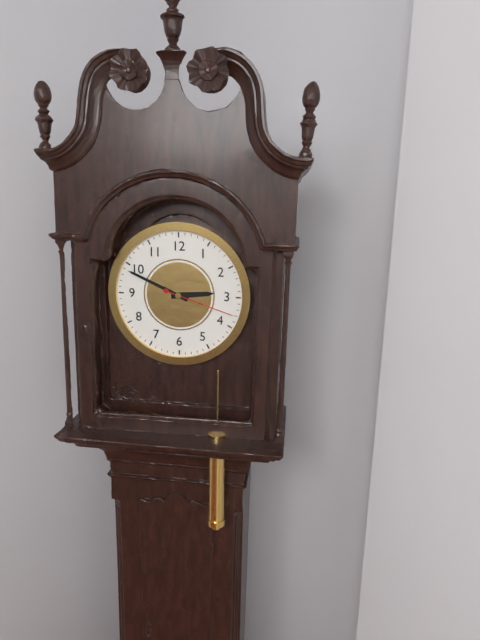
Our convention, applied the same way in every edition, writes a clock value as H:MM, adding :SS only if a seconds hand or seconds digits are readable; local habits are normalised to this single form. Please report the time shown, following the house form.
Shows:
2:49:18
